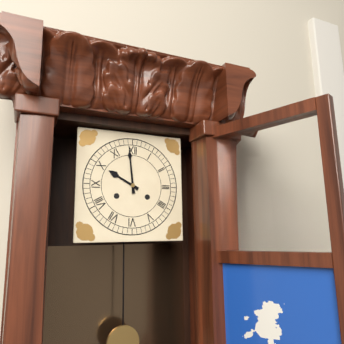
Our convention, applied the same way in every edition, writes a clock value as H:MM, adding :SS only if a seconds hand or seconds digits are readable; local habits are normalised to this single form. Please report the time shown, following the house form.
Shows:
9:59
